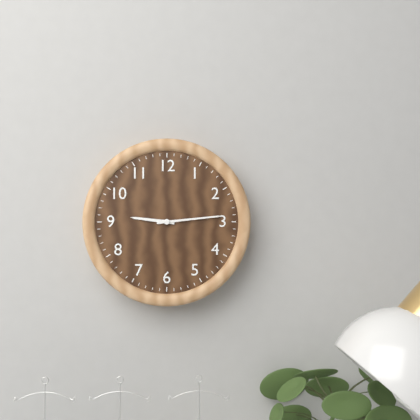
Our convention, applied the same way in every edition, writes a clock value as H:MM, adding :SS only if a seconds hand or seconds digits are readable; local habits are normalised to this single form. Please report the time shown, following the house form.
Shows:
9:14
